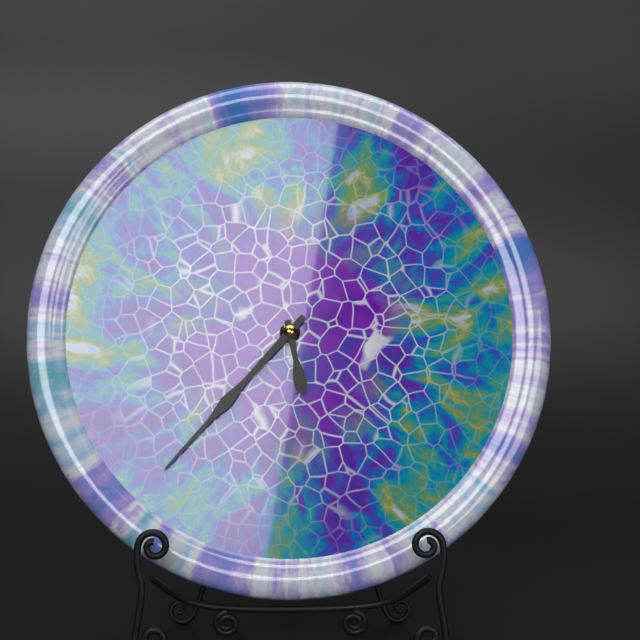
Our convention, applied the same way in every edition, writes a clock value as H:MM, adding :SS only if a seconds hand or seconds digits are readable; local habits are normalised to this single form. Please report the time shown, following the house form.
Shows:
5:37
